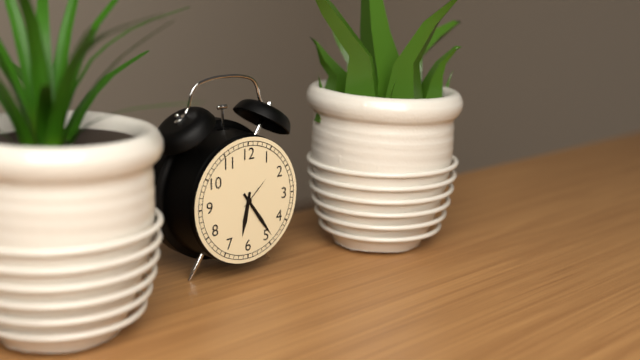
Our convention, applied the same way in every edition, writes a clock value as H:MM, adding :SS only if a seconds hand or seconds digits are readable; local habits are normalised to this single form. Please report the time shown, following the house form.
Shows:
6:24
